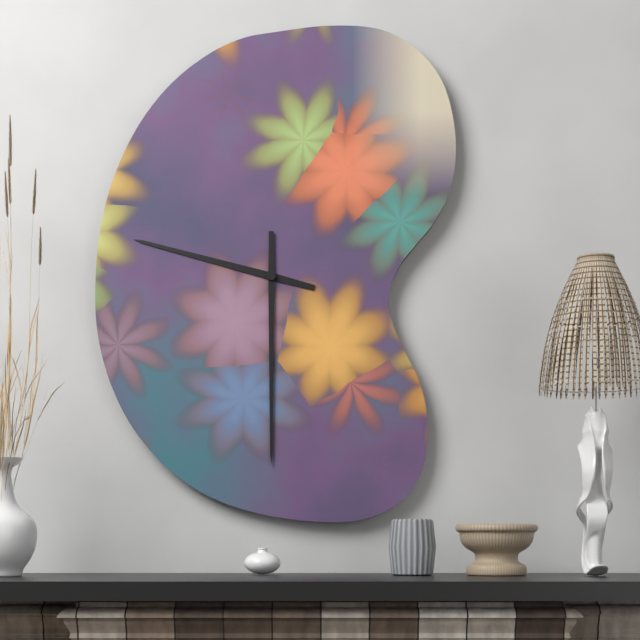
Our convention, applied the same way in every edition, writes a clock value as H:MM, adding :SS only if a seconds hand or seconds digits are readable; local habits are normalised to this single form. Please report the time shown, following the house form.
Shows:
9:30
